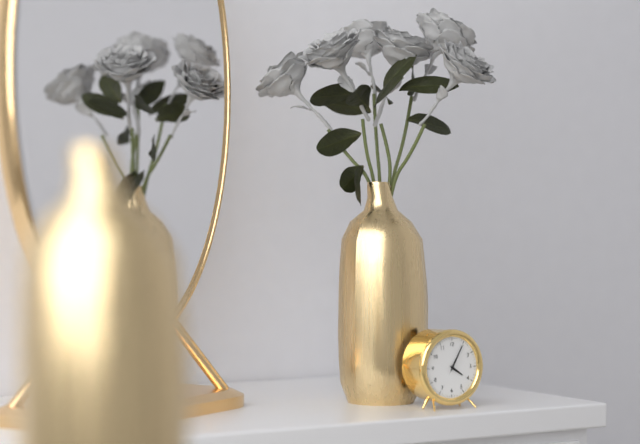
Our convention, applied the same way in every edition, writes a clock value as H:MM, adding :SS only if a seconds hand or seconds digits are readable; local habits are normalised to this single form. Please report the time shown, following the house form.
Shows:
4:05
